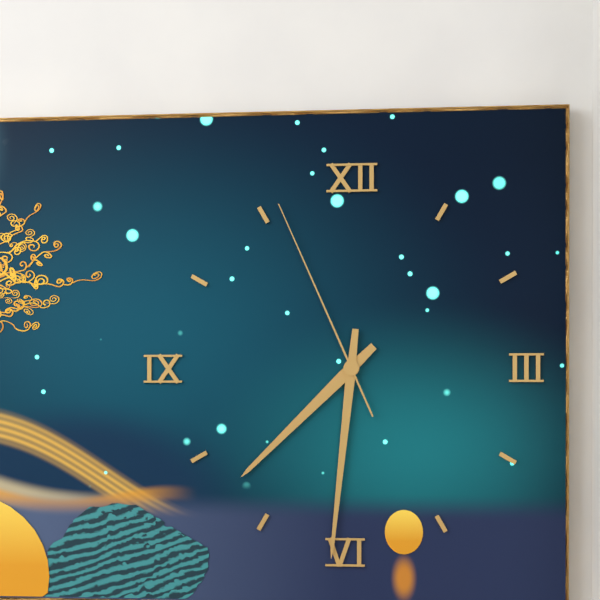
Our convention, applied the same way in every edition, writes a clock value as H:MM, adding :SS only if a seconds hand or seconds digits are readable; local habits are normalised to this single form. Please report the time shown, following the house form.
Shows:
7:31:56
